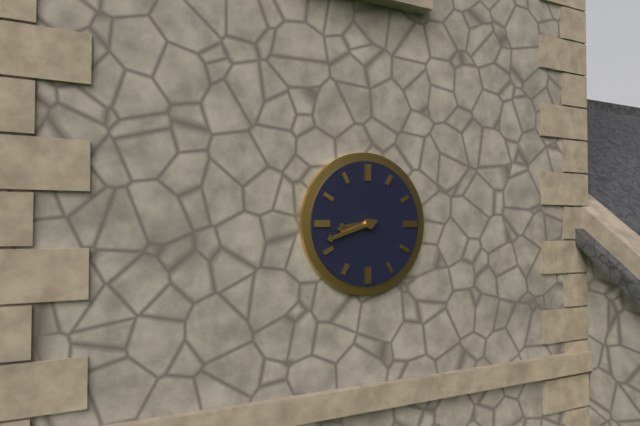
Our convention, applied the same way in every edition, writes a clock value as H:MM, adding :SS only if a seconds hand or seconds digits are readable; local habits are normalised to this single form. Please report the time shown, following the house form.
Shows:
8:42
